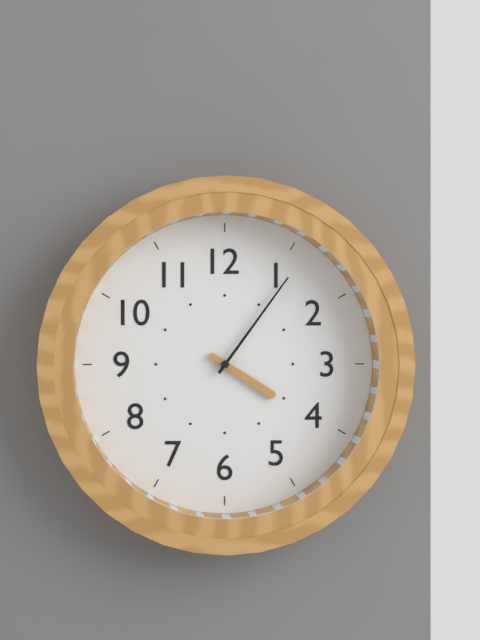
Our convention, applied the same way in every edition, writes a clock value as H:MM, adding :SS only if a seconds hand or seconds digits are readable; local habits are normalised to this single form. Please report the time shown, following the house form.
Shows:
4:06
